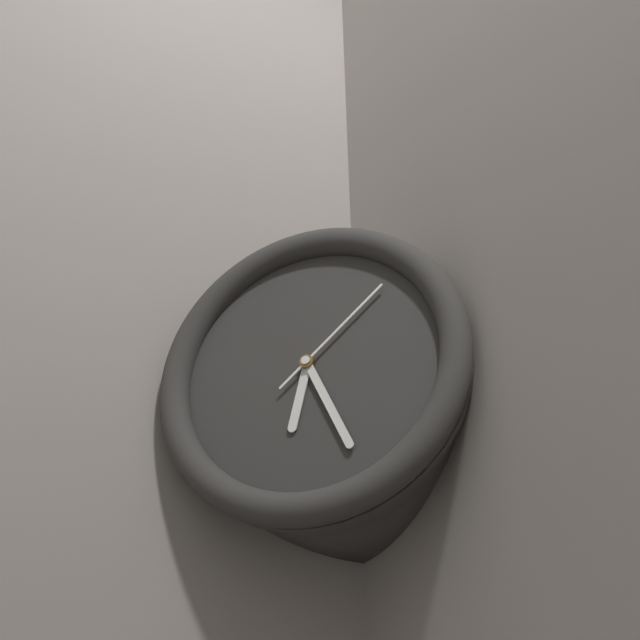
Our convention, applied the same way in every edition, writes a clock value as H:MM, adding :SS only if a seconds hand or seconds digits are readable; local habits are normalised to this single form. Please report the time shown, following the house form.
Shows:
6:26:08
